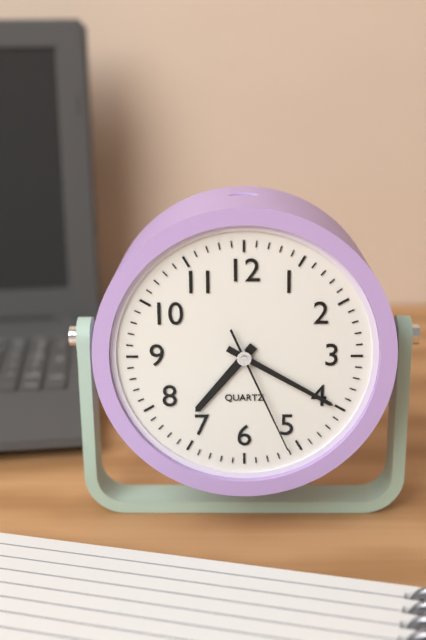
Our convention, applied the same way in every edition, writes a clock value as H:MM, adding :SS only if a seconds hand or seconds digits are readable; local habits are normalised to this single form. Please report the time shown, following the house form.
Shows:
7:20:26
